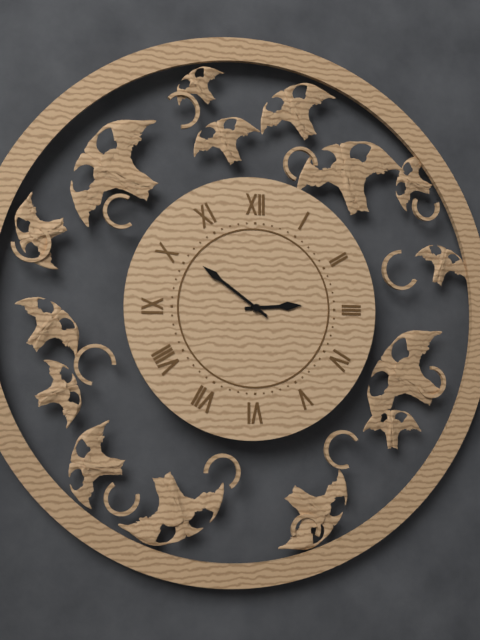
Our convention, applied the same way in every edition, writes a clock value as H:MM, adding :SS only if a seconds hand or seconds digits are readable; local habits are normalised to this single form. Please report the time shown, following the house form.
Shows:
2:51
